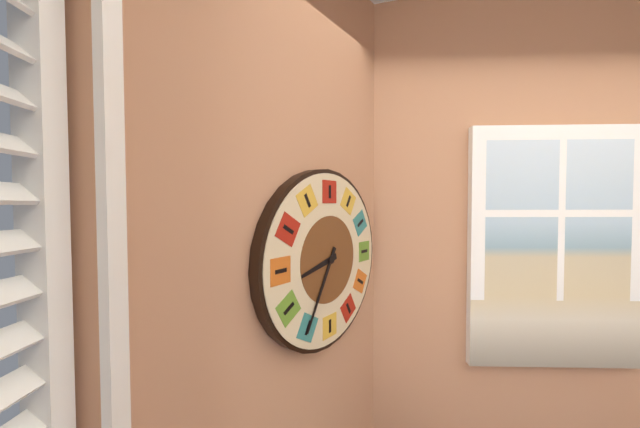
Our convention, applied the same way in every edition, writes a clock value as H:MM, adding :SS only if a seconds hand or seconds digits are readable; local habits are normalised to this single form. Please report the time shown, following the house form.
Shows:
8:35
